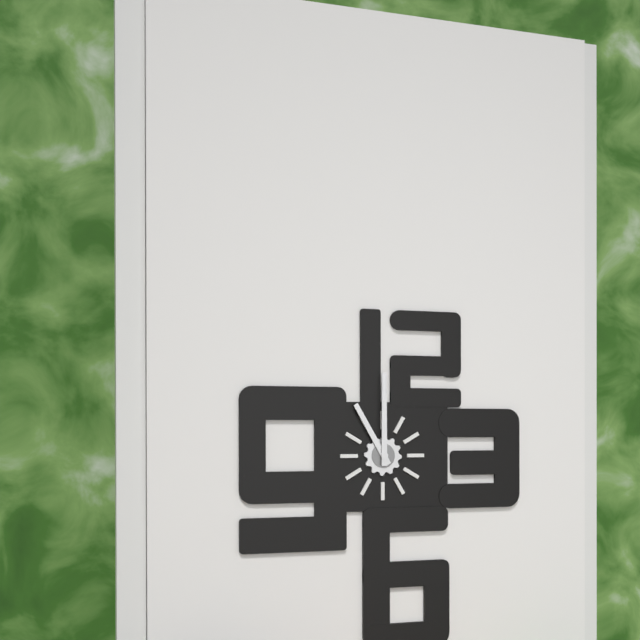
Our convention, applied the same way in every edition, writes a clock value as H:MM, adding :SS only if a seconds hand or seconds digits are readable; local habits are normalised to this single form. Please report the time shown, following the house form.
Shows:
11:00
